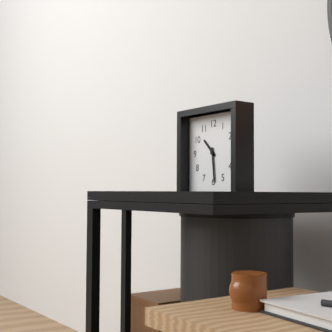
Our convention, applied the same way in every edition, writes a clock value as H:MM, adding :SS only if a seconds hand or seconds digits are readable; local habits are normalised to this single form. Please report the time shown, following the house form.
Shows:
10:29
